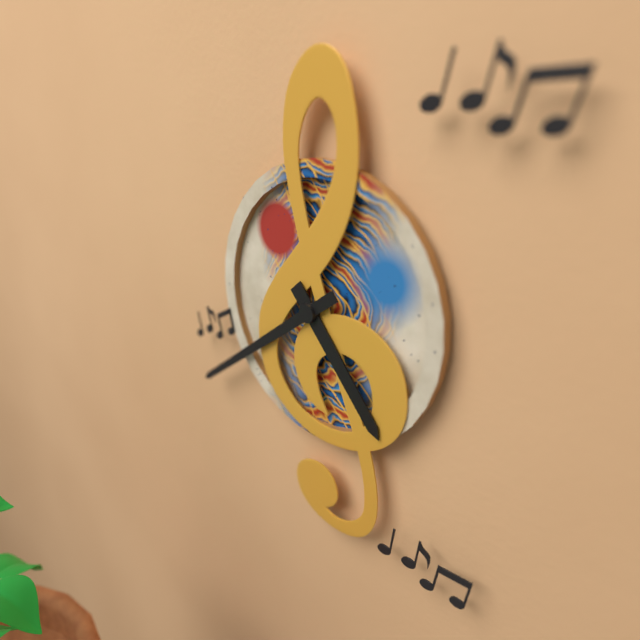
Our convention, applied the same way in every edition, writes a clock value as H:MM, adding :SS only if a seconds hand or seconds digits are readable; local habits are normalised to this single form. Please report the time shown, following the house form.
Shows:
4:39
